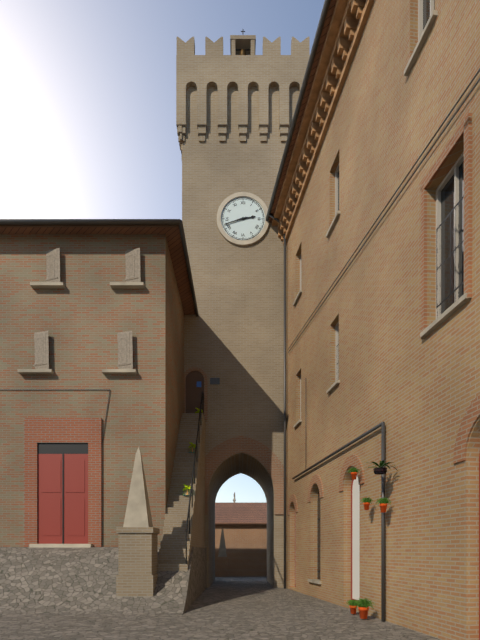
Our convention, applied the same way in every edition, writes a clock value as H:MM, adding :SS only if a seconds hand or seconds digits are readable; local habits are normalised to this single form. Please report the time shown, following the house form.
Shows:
2:42
